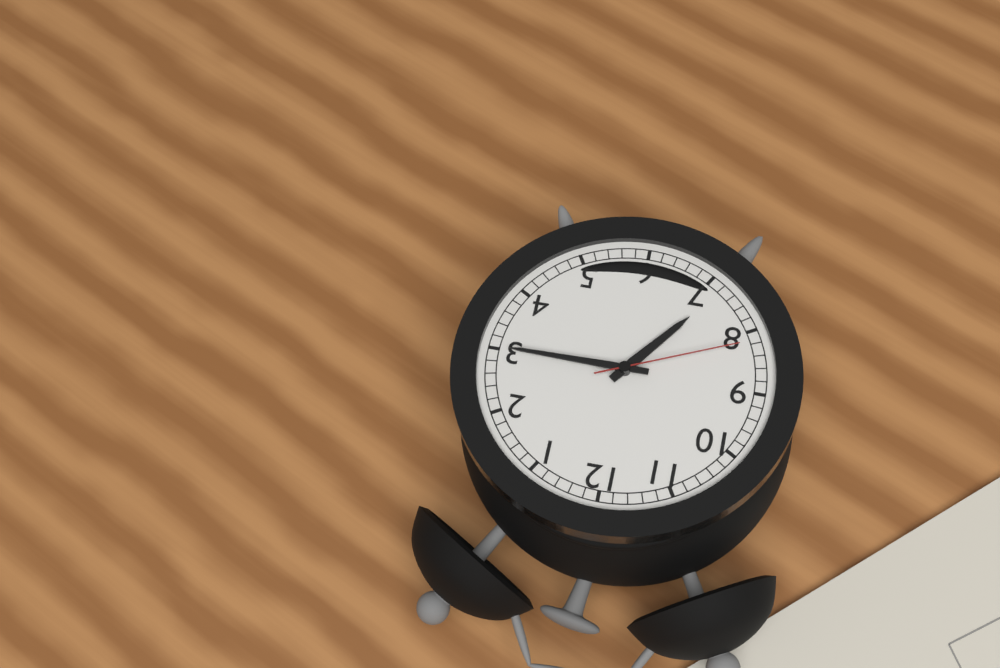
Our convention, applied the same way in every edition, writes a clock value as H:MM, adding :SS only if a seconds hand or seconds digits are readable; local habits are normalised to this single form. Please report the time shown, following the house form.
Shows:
7:15:41
